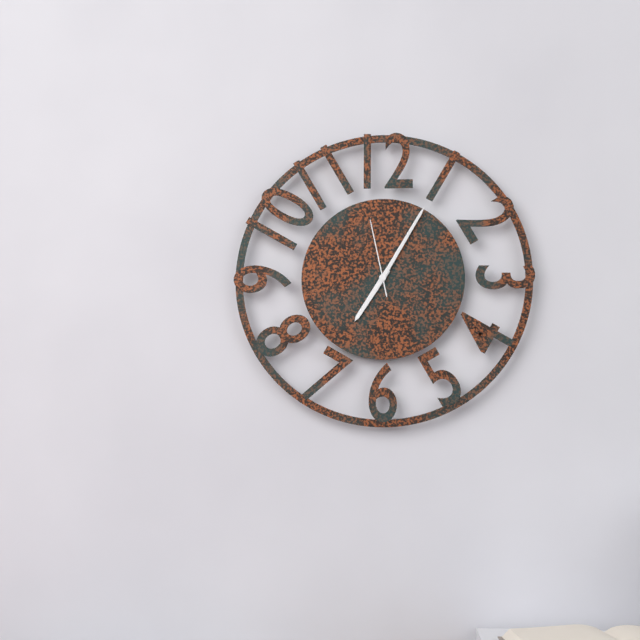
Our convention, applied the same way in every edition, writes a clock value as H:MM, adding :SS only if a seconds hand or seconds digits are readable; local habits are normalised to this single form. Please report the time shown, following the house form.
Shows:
7:05:58
